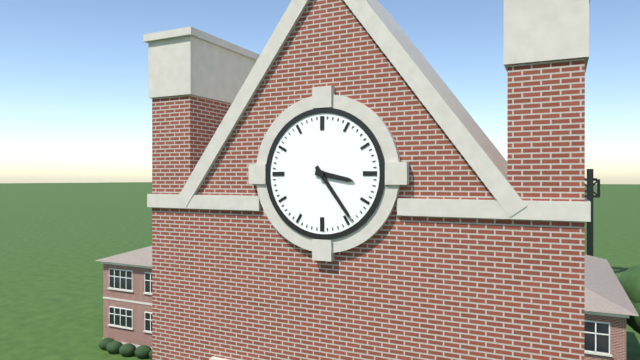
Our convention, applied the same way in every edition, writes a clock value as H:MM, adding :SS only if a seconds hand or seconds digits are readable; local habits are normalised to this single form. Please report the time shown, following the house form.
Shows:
3:24
